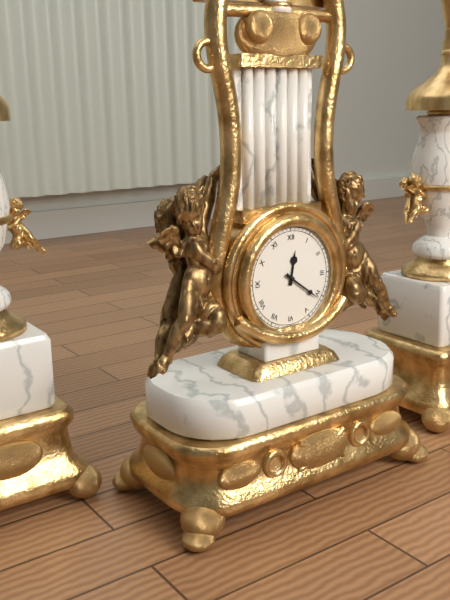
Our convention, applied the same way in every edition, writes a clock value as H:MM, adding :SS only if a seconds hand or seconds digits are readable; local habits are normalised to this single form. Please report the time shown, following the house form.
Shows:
12:21
